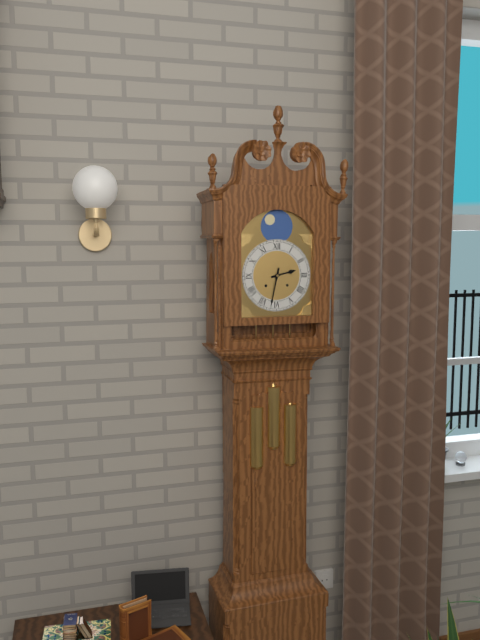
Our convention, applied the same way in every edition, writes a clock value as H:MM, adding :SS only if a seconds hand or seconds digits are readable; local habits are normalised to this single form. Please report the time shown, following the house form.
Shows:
2:32
